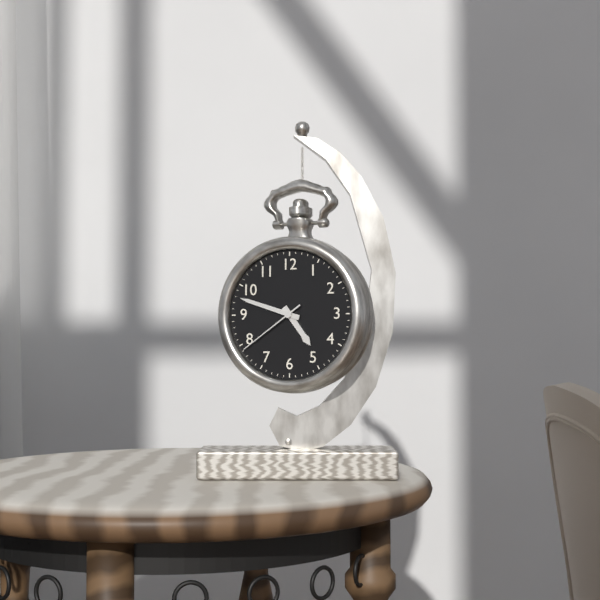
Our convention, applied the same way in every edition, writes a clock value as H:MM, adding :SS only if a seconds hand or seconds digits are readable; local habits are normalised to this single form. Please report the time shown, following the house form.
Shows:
4:48:39
